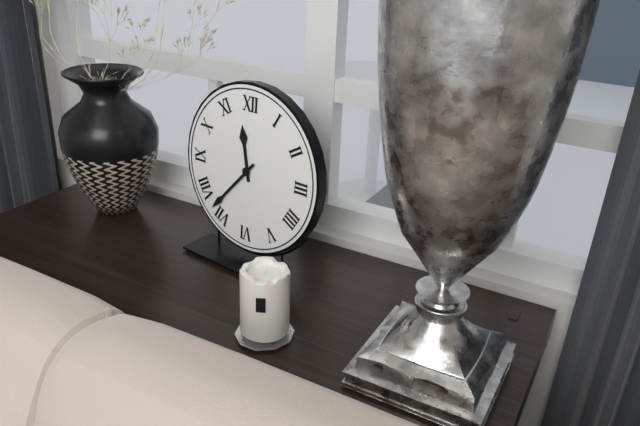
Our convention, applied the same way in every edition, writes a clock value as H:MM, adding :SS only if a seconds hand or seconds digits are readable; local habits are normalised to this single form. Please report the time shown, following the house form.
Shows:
11:37
